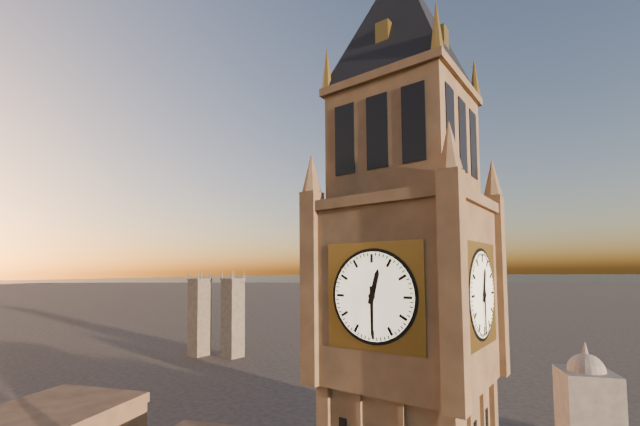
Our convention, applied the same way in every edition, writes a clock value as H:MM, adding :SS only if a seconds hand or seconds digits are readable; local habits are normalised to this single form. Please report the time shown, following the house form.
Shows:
12:30
